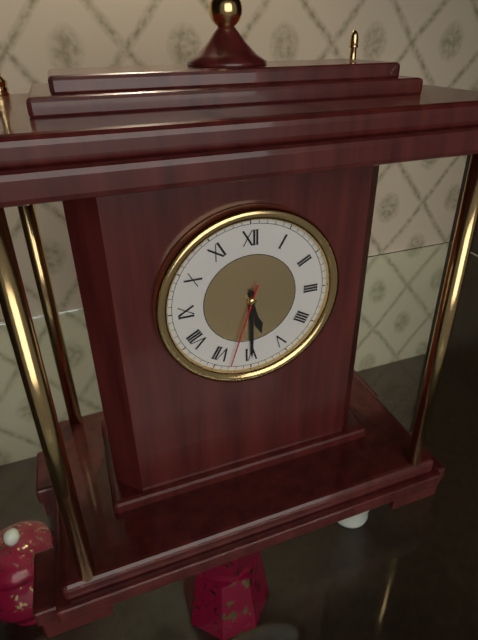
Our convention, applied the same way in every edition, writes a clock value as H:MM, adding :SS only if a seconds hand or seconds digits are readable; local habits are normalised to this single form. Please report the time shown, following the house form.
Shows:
5:30:33
